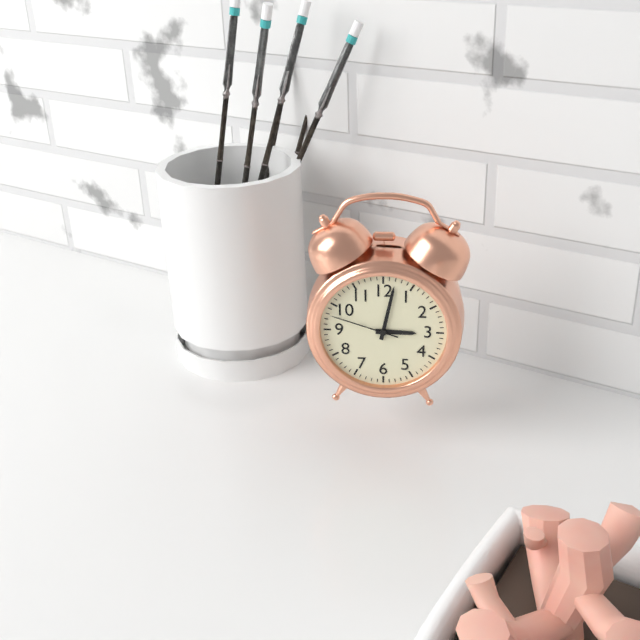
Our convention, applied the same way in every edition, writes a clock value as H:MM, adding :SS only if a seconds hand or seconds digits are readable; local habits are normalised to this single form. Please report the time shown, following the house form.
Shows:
3:02:48
